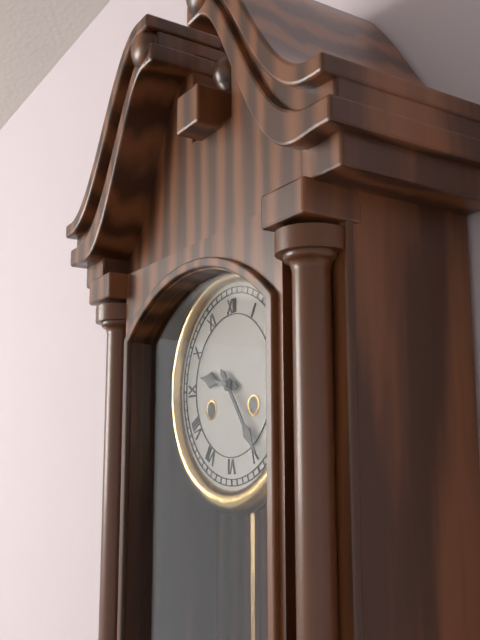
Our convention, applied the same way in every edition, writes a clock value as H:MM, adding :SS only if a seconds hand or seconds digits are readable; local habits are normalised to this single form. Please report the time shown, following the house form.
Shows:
9:24
